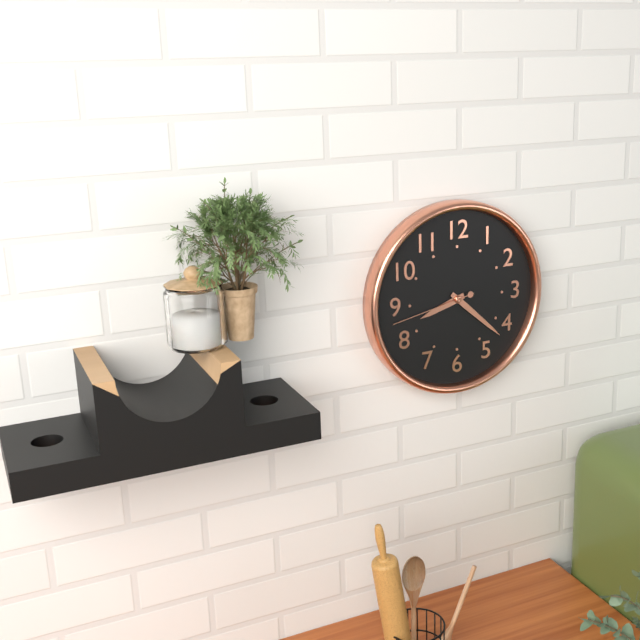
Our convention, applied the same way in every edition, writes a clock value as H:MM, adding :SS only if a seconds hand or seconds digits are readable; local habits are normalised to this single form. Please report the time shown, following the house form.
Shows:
8:22:43
